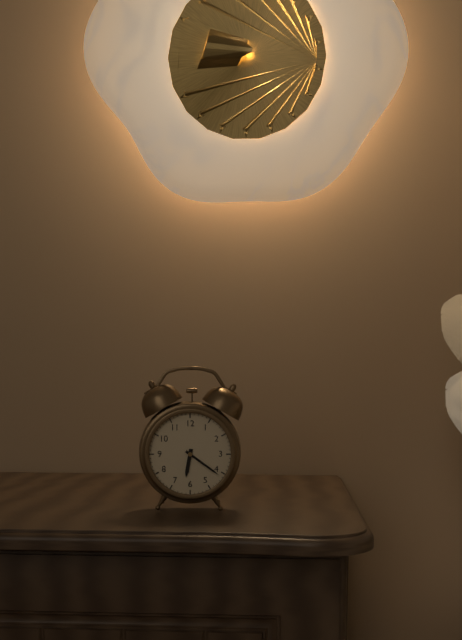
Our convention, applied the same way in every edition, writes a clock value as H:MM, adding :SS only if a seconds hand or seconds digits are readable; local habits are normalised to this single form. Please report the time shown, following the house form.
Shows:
6:21
